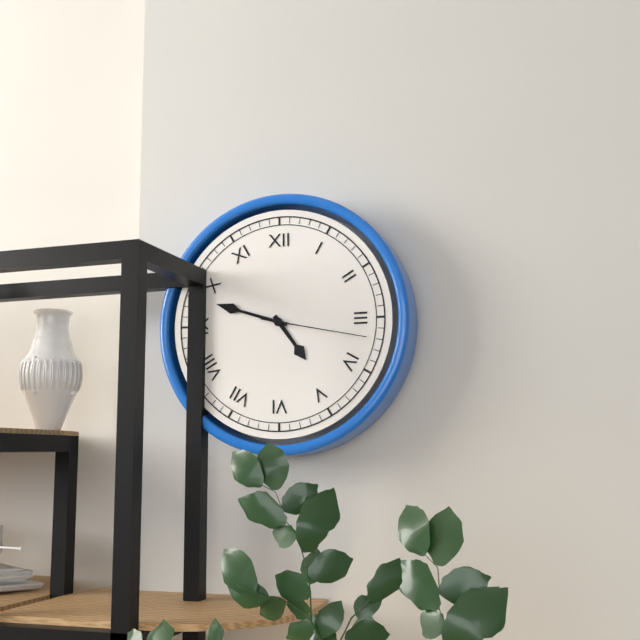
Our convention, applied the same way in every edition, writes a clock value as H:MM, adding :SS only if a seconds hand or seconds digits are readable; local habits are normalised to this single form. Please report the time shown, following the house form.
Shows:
4:48:17
